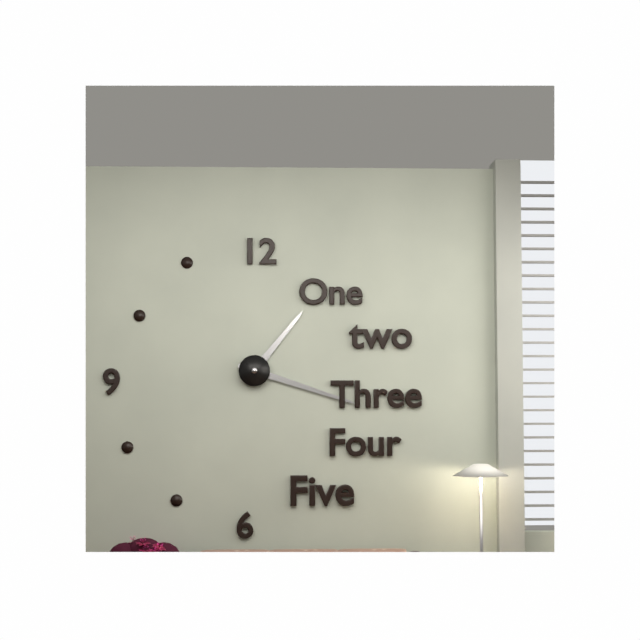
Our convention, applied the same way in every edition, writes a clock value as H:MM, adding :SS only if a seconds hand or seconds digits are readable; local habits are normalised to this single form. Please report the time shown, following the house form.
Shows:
1:18
